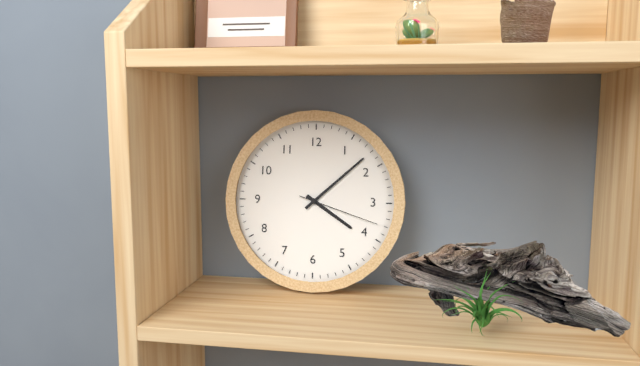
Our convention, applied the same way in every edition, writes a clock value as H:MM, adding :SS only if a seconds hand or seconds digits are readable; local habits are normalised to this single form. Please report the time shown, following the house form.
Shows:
4:08:18
